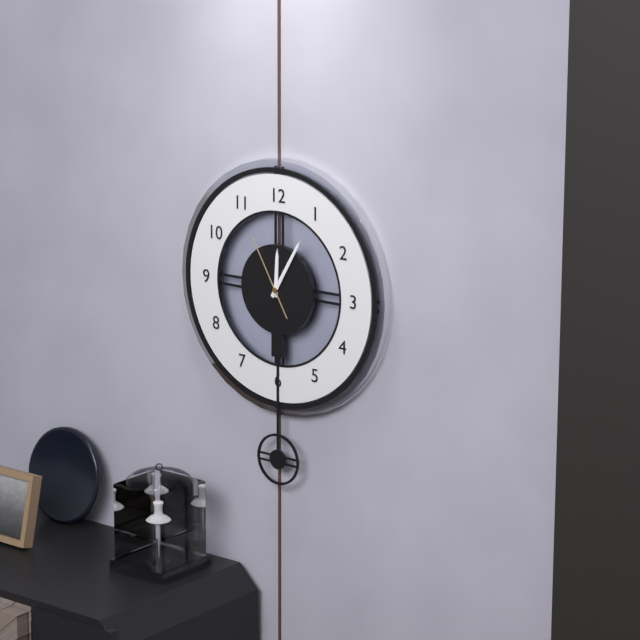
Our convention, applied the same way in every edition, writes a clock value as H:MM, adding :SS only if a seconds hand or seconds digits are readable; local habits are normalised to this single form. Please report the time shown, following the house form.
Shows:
12:05:55
